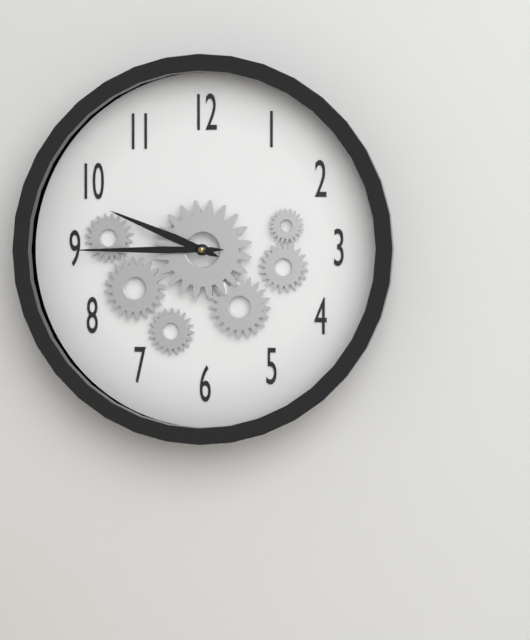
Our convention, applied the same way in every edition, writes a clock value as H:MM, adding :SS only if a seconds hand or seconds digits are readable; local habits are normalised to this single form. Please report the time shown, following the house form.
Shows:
9:45
